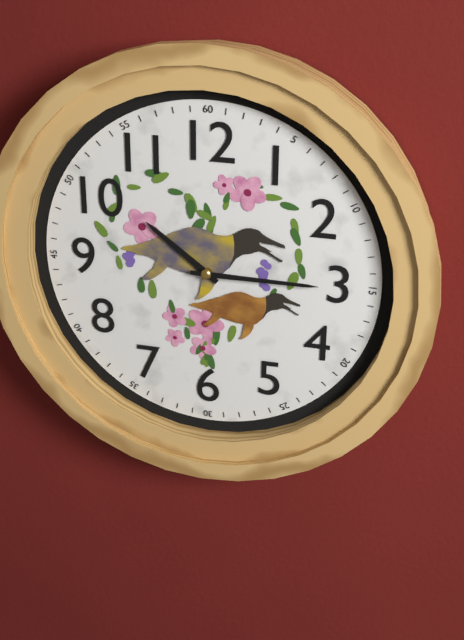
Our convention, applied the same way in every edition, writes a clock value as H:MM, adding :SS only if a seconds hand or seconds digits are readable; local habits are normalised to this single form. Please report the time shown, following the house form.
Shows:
10:15
